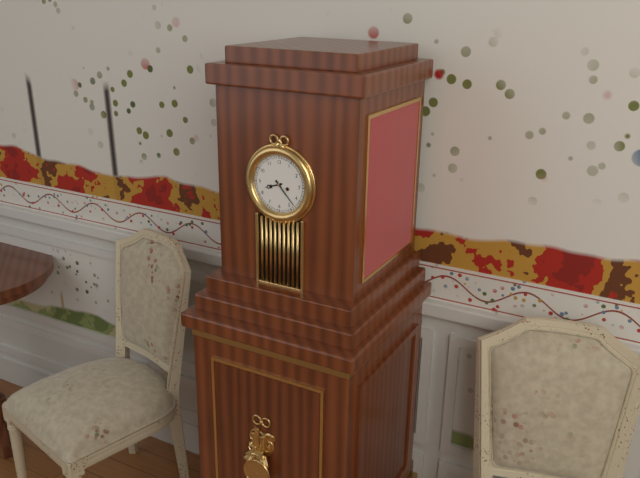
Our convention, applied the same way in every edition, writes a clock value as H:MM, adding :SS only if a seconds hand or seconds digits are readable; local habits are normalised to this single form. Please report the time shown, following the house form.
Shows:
8:23
